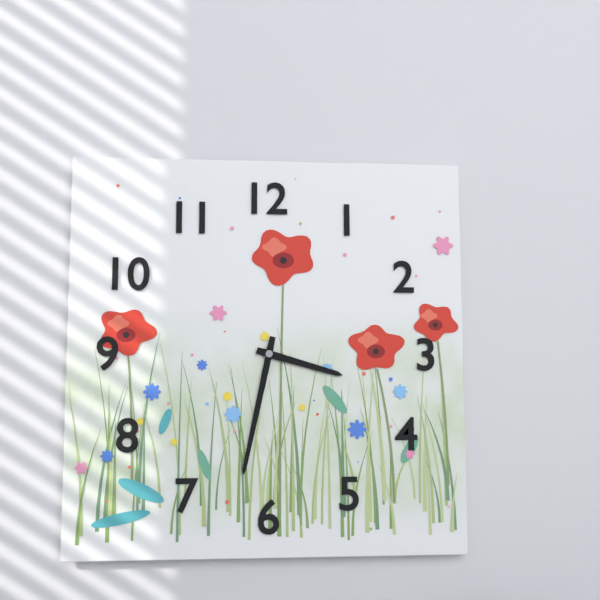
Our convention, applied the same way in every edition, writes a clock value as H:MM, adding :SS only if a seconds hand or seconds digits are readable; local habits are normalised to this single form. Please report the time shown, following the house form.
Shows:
3:32
